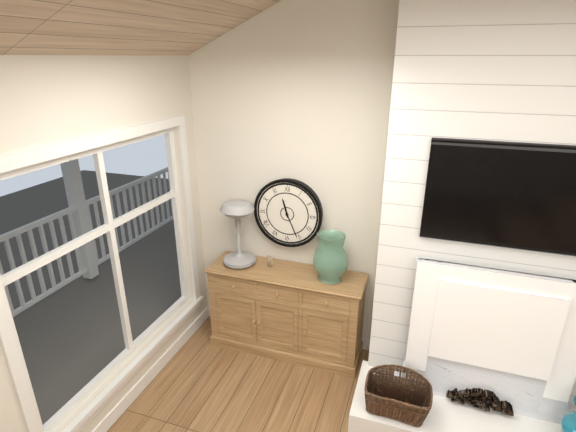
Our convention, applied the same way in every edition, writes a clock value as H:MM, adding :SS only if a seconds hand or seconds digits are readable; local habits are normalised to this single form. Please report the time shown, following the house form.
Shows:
11:26
